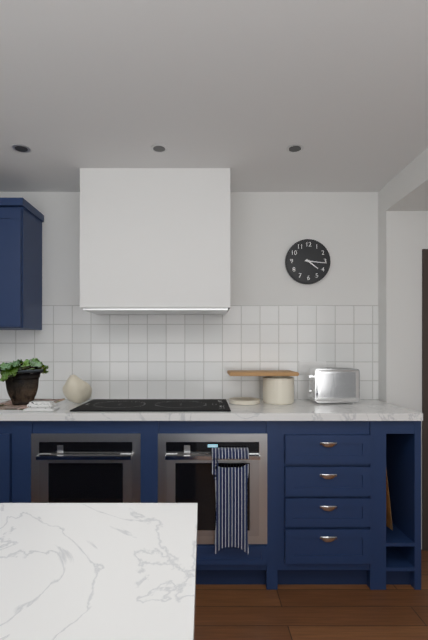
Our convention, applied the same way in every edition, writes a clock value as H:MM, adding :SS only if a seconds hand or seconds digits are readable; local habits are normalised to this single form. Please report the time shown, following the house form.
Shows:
4:16
